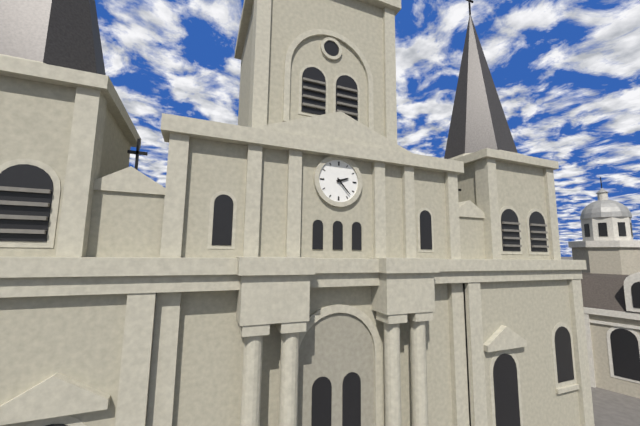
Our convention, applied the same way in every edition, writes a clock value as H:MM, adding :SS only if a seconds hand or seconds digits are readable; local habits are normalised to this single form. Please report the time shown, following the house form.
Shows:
2:23
